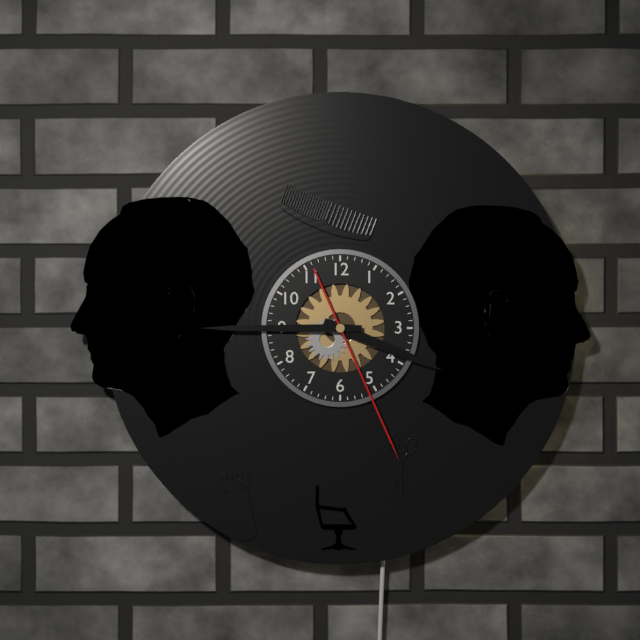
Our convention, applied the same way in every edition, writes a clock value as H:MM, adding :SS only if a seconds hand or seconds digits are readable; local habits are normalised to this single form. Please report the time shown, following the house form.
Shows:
3:45:26
